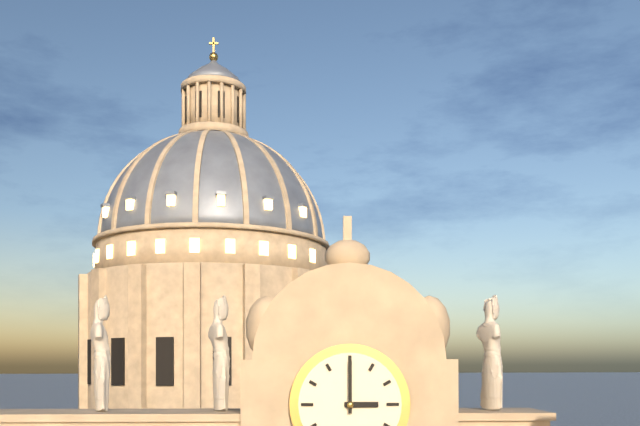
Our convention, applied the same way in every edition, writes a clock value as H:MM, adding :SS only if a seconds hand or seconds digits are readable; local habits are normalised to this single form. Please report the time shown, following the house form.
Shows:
3:00
